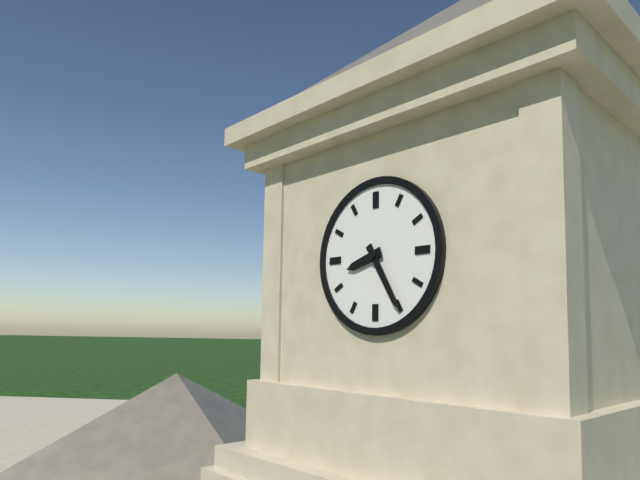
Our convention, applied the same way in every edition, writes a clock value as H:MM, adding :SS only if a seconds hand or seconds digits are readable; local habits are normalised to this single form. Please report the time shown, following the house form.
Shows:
8:25
